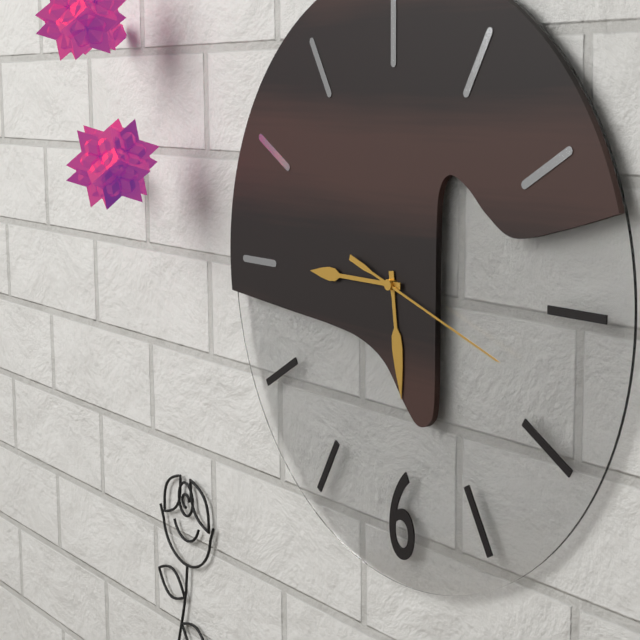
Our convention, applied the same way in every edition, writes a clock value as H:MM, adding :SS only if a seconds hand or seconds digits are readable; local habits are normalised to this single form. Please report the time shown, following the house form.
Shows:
5:45:18
